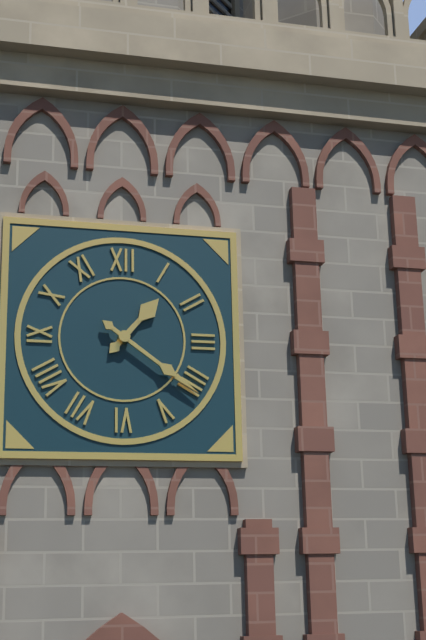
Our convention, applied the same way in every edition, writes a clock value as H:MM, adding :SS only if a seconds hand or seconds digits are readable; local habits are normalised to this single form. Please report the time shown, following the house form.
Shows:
1:21
